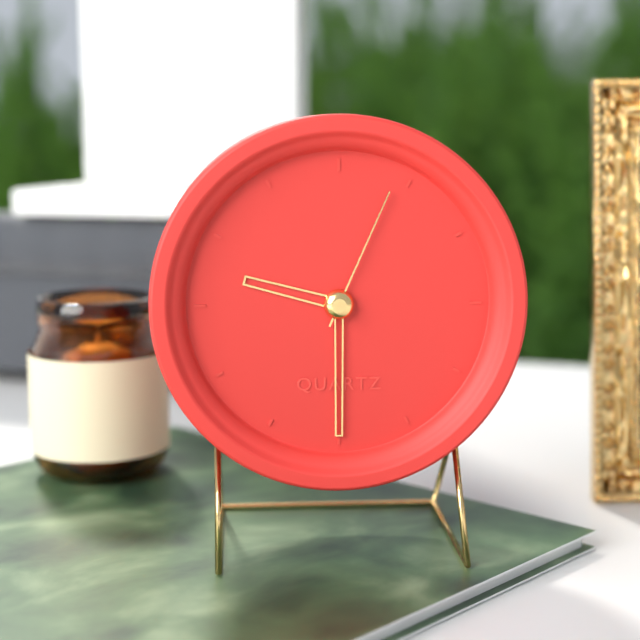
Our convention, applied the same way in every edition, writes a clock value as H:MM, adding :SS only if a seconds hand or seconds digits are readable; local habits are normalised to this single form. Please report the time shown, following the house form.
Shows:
9:30:04
